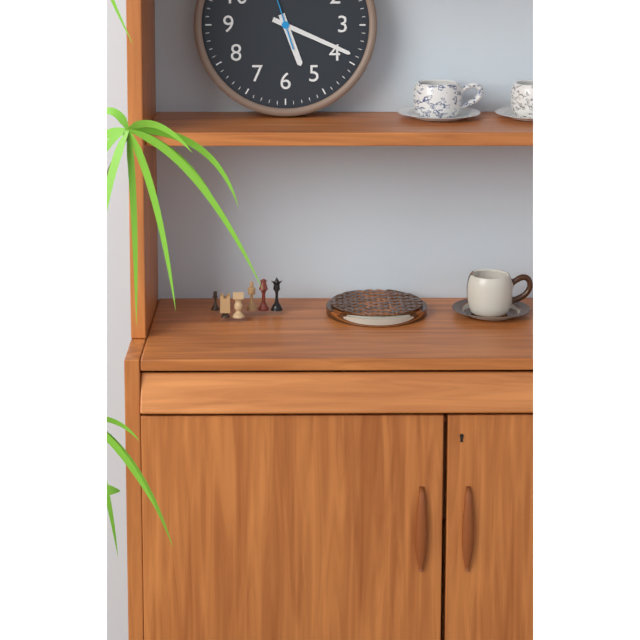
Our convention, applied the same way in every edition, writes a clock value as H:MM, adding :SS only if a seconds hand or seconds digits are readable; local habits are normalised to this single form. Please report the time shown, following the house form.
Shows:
5:19
